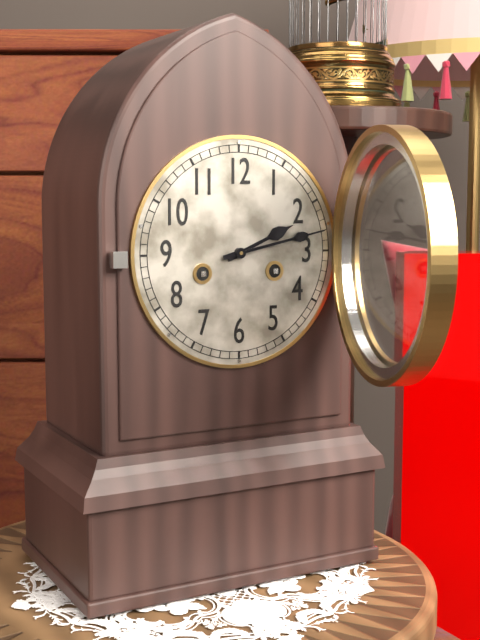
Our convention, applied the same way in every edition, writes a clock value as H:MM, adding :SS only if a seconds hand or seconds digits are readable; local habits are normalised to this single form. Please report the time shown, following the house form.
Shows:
2:13
